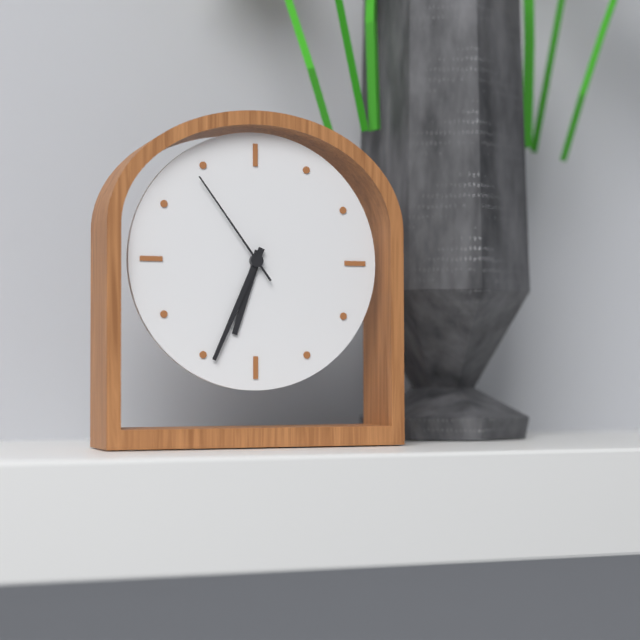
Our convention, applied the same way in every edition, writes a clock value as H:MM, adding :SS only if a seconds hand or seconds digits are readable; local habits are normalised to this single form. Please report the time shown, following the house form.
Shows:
6:34:54
